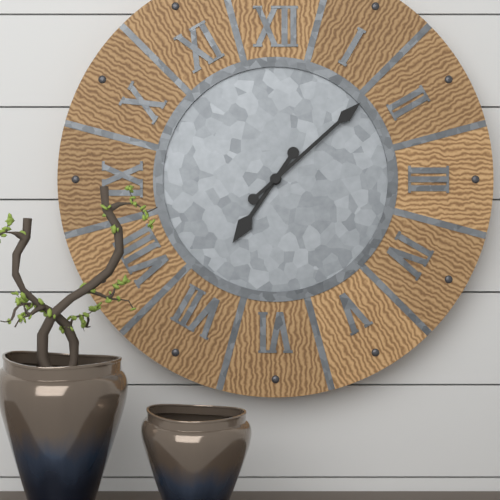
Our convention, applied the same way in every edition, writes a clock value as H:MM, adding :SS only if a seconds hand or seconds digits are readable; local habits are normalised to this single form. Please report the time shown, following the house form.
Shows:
7:08
